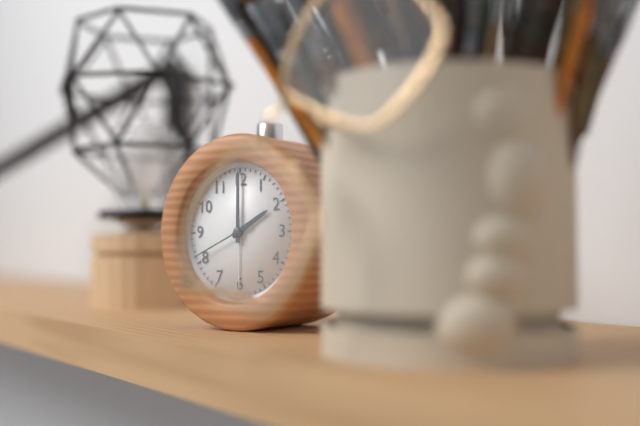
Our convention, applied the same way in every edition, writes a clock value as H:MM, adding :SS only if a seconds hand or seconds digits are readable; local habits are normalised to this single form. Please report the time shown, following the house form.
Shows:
2:00:41
